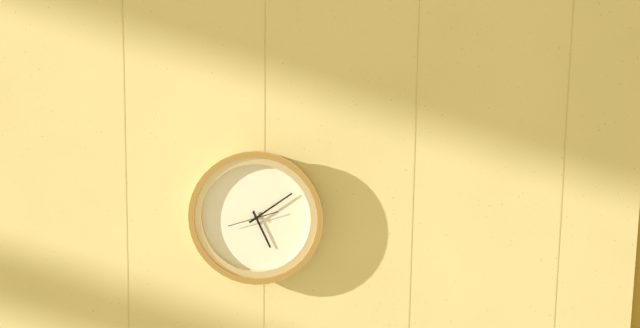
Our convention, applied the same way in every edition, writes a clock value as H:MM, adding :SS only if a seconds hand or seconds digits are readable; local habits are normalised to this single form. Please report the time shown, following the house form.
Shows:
5:09
